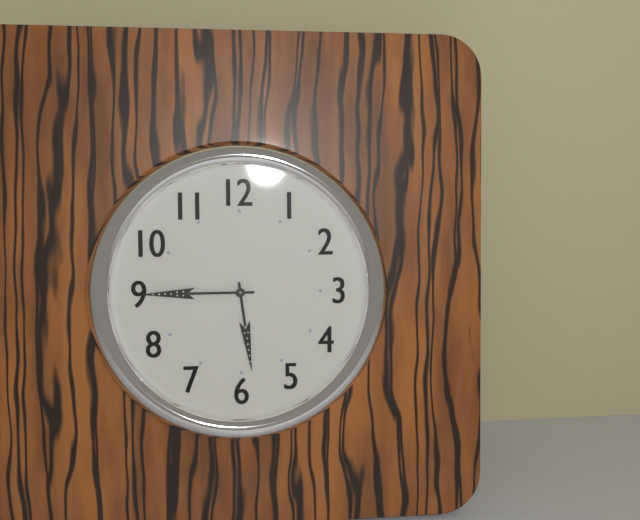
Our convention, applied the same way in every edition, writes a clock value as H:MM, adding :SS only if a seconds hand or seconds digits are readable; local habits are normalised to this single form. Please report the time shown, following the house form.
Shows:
5:45
